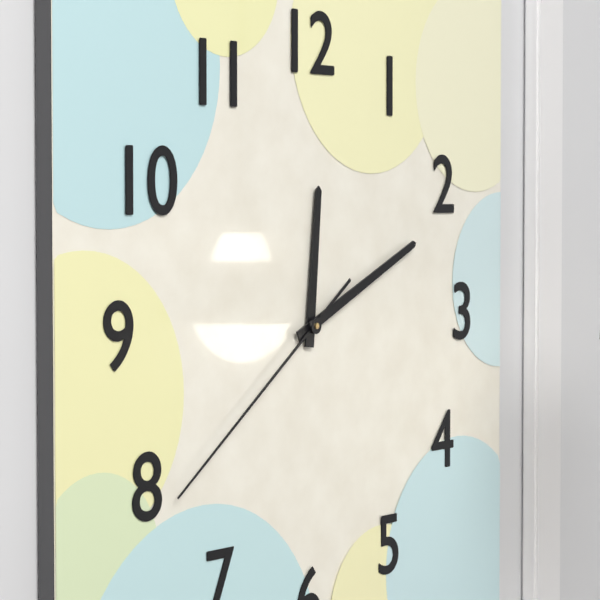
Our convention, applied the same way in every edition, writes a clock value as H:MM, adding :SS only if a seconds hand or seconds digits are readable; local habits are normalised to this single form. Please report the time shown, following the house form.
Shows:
12:11:39
